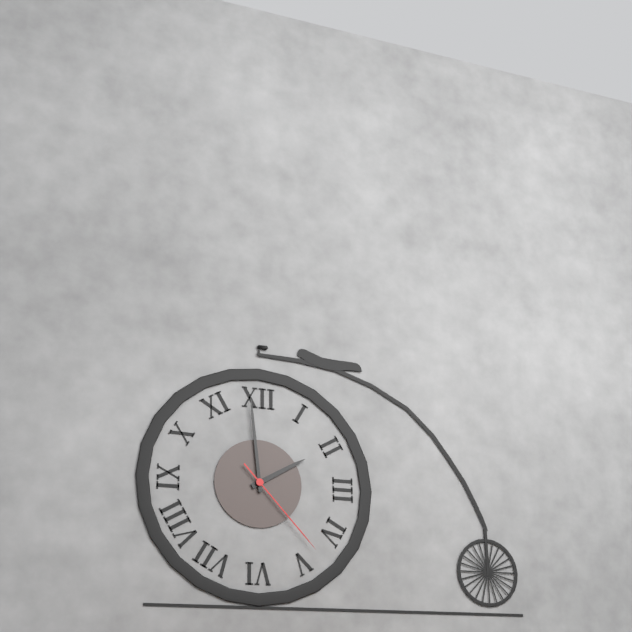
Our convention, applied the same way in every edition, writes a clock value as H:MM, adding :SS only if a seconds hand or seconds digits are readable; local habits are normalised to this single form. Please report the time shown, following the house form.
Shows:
1:59:23
